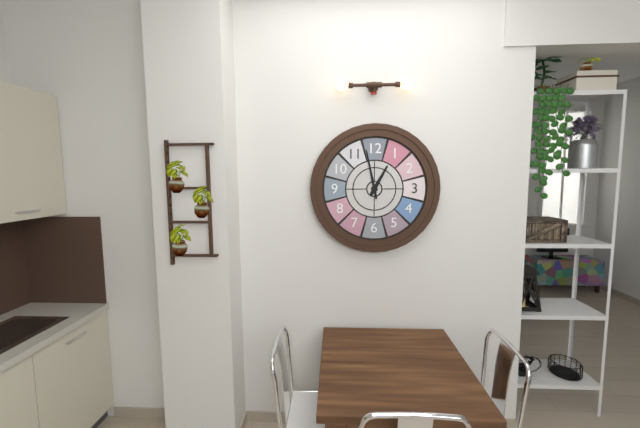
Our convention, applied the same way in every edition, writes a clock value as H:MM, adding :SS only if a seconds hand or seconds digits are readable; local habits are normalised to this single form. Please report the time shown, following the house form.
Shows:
12:58
